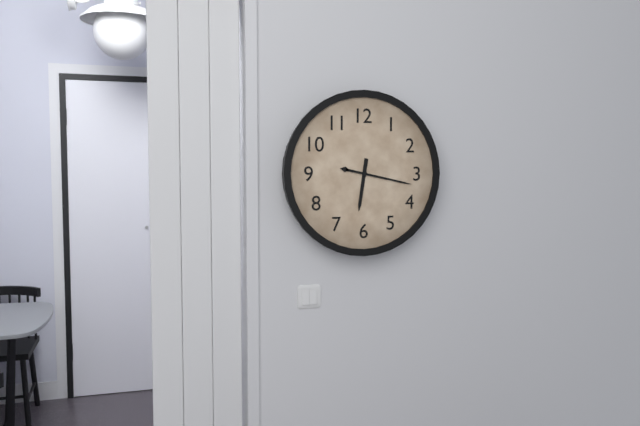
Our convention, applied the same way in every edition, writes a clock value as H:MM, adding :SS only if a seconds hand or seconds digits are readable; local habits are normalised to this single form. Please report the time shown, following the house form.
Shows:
6:17
